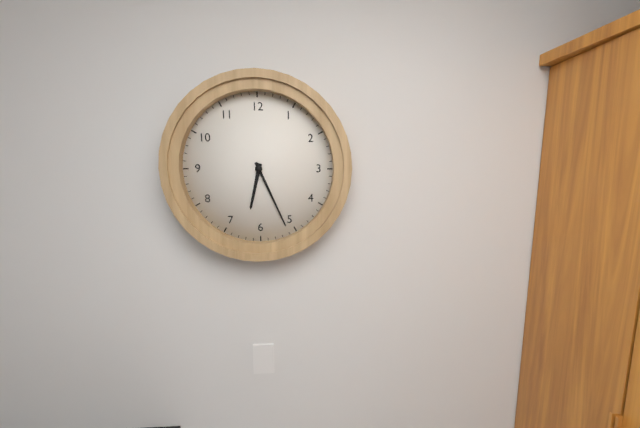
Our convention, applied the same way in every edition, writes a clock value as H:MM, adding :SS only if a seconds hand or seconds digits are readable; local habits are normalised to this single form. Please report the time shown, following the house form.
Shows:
6:26
